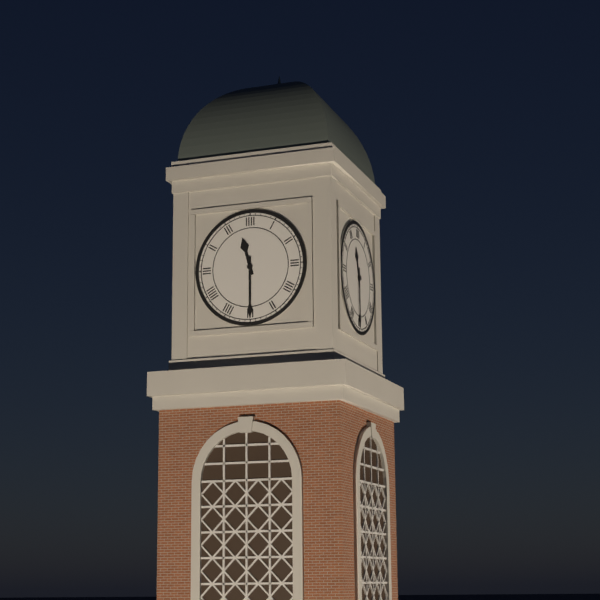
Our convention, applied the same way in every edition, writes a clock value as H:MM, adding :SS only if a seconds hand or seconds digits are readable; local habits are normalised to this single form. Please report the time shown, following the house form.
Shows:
11:30
